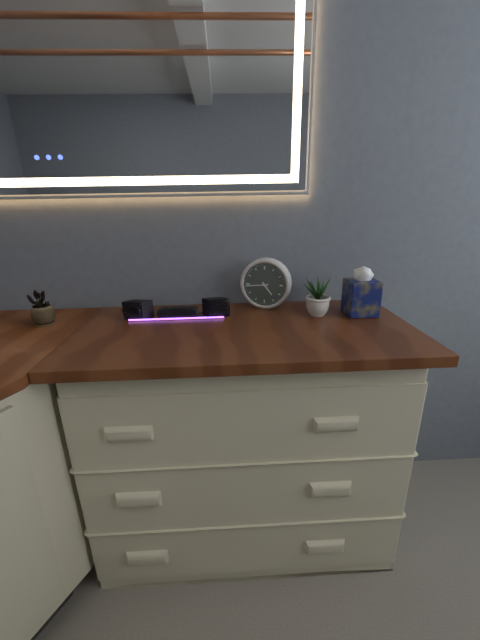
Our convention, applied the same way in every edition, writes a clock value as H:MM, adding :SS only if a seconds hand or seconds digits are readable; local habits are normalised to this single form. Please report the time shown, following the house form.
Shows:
4:44
